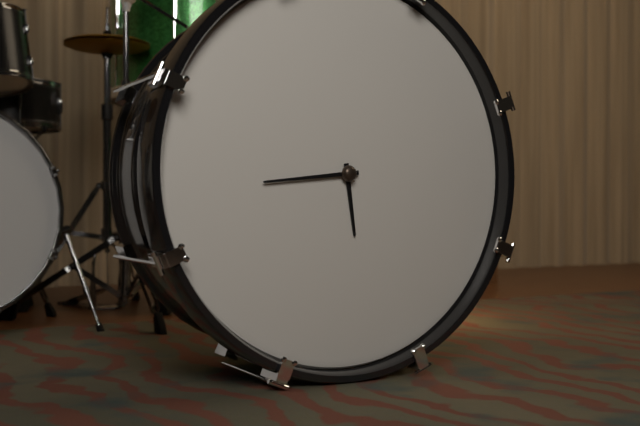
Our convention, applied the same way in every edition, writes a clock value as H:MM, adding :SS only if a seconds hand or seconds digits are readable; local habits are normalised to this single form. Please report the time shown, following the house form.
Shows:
5:44
